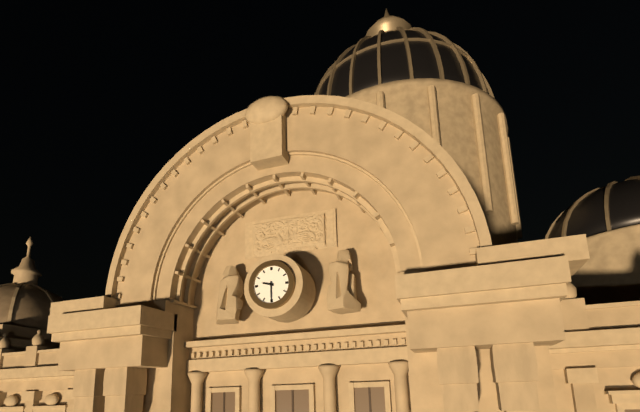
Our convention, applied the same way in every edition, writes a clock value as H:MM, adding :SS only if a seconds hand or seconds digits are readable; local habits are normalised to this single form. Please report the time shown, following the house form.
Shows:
9:30
